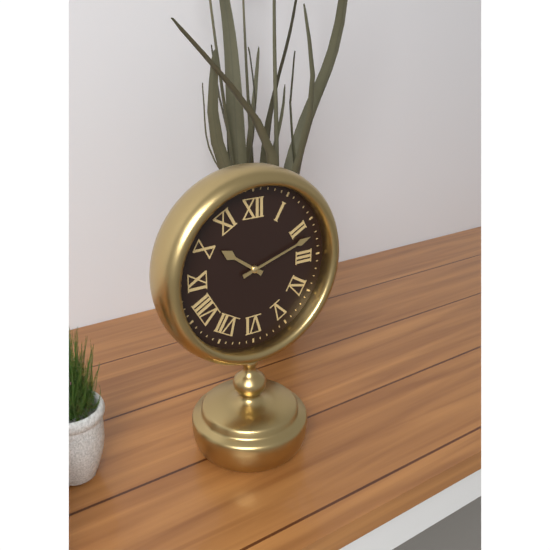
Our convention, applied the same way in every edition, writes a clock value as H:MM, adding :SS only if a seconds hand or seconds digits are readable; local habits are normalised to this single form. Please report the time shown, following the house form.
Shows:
10:12
